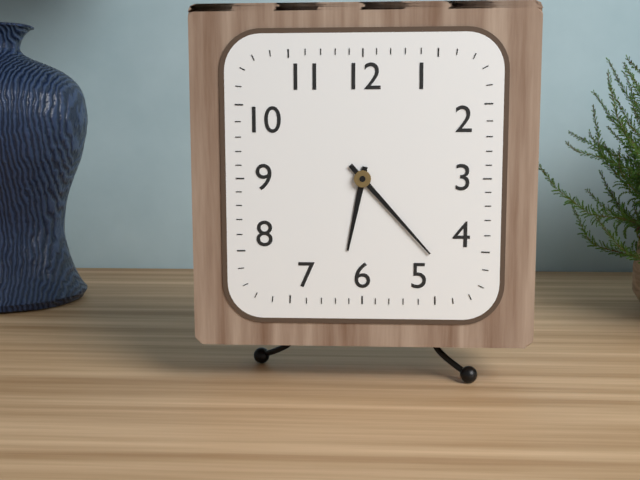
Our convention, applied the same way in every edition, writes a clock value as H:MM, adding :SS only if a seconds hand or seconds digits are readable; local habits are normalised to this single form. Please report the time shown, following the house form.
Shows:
6:23
